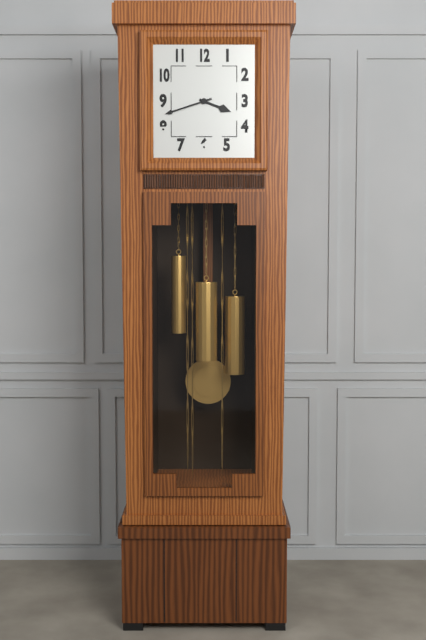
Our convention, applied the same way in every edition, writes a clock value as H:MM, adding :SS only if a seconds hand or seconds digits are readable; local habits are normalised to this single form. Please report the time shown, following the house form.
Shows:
3:42
